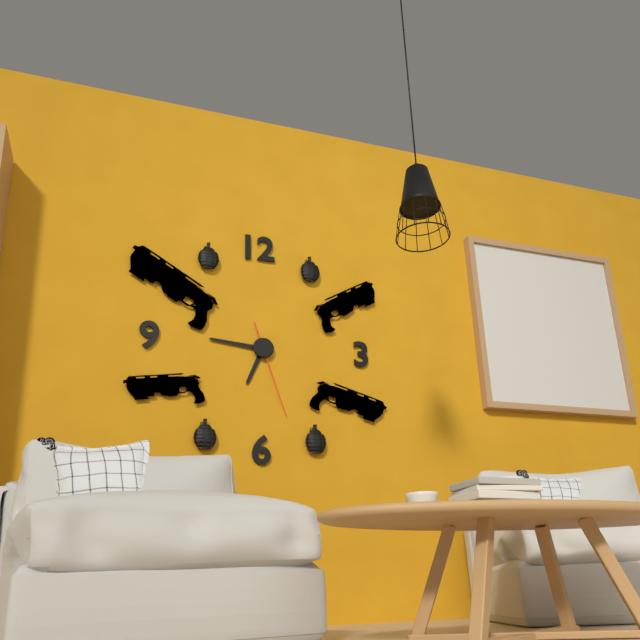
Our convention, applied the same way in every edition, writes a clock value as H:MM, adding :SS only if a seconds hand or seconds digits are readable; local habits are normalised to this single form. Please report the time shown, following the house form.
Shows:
6:46:27
